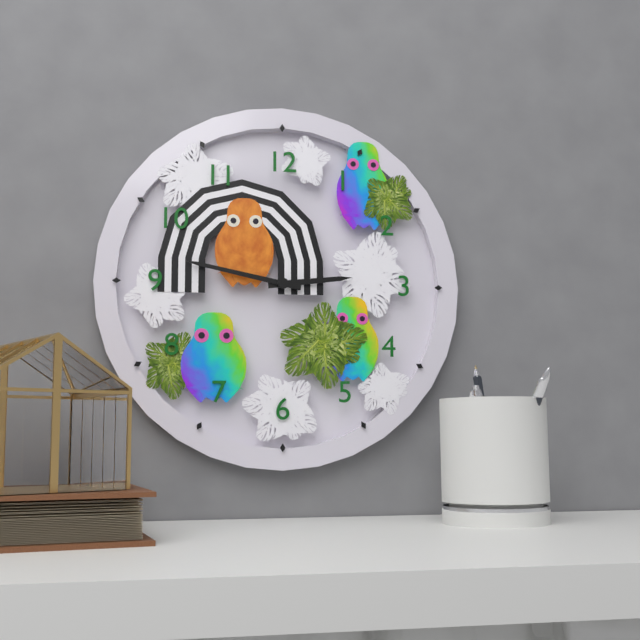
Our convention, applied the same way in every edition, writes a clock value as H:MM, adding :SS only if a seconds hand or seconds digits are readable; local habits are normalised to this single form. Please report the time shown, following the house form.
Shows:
2:47
